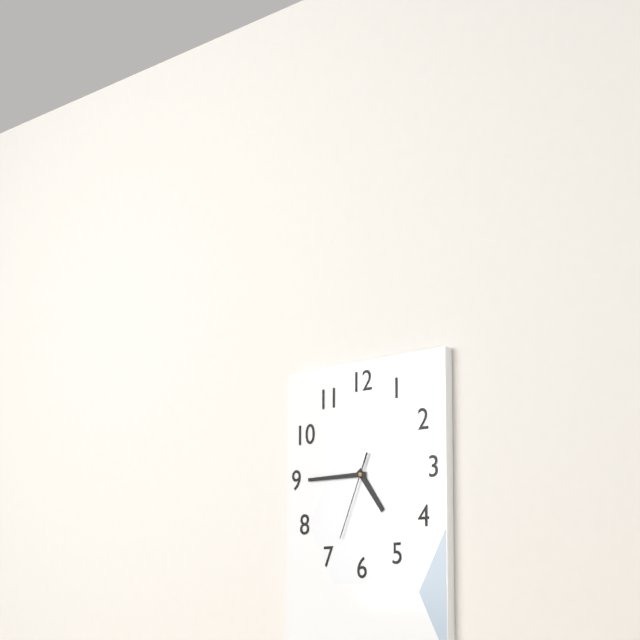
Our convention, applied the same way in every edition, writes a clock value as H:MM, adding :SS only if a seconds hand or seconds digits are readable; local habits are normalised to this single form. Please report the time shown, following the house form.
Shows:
4:45:34
